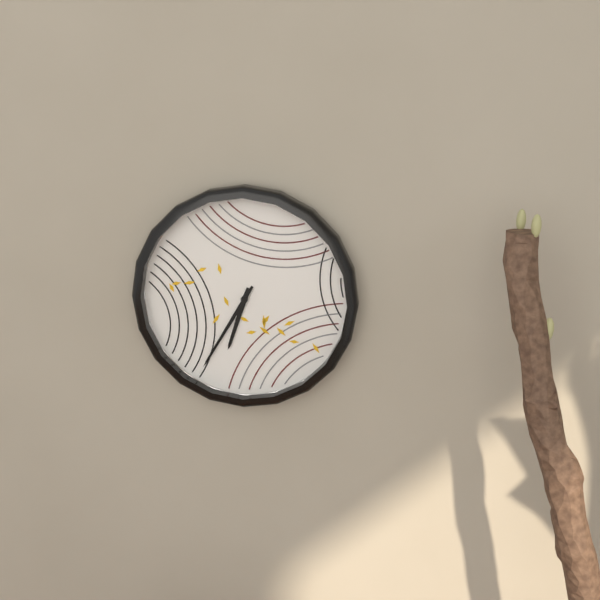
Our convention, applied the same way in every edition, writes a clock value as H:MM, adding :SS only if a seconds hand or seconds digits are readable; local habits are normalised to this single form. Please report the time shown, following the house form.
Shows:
6:35
